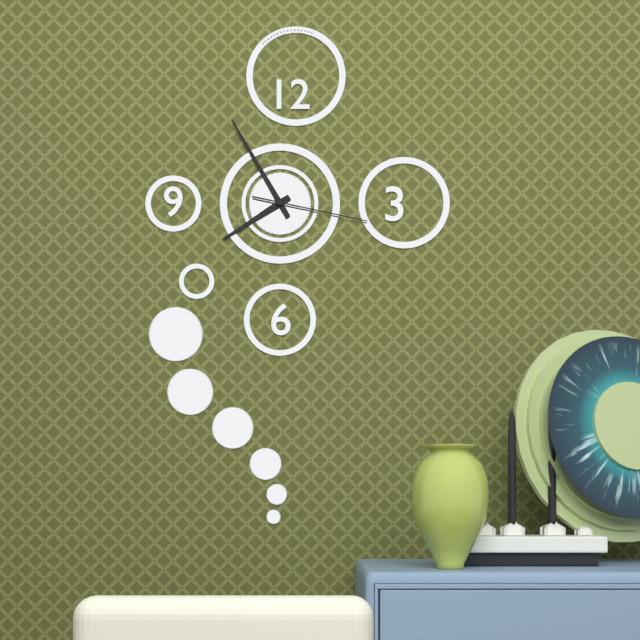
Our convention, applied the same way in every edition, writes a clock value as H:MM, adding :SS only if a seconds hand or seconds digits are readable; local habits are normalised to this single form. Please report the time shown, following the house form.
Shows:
7:55:17
